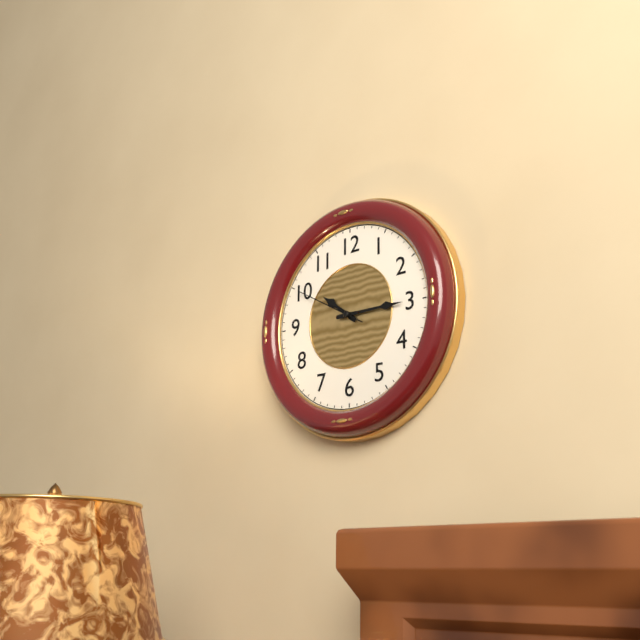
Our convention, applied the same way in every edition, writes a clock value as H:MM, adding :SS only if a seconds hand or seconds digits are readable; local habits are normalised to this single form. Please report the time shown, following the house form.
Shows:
10:15:50
